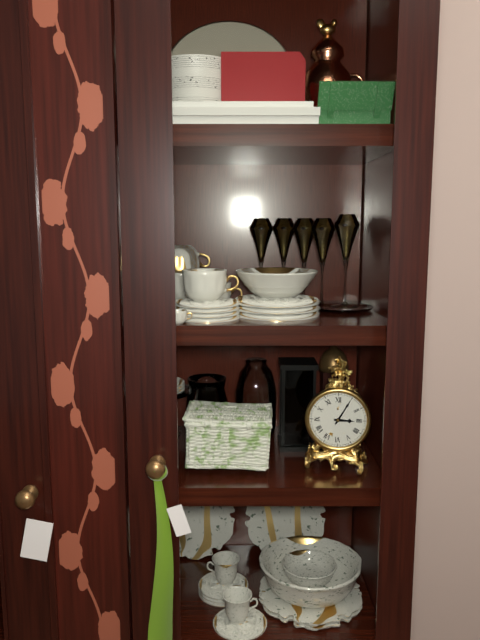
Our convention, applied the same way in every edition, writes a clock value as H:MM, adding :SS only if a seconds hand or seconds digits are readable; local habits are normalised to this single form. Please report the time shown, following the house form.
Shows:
3:05
